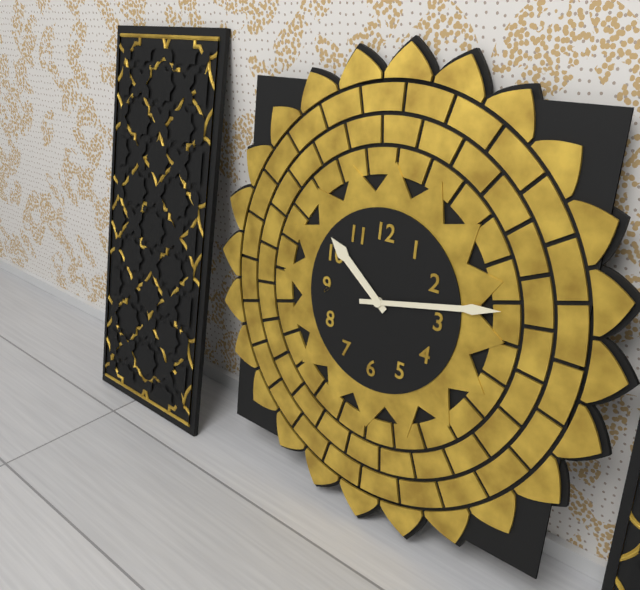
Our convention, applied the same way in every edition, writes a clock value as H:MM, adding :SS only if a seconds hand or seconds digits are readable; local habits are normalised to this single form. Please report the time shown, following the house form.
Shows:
10:13
